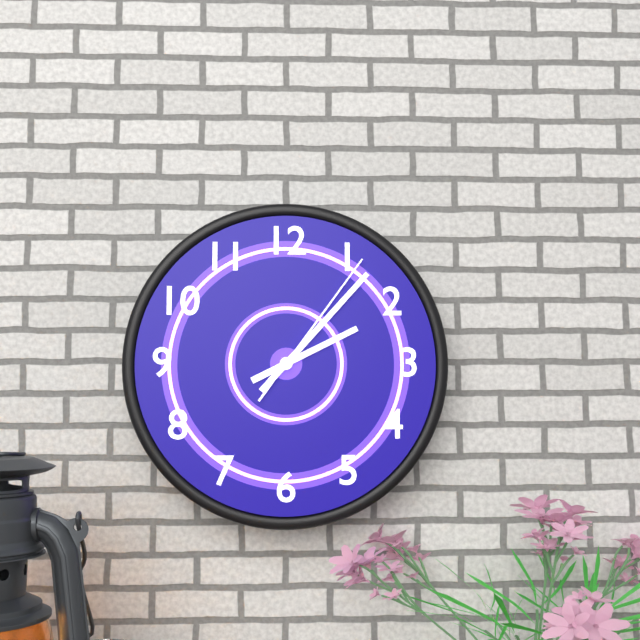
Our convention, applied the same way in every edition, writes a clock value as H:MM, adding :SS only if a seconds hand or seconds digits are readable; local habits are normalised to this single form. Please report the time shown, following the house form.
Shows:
2:07:06
